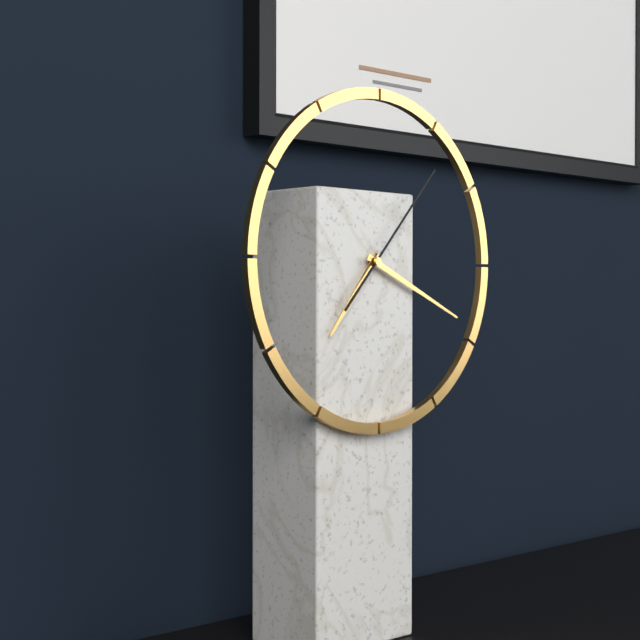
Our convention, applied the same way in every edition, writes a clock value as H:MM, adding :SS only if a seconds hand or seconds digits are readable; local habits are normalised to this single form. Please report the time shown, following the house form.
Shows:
7:19:07
